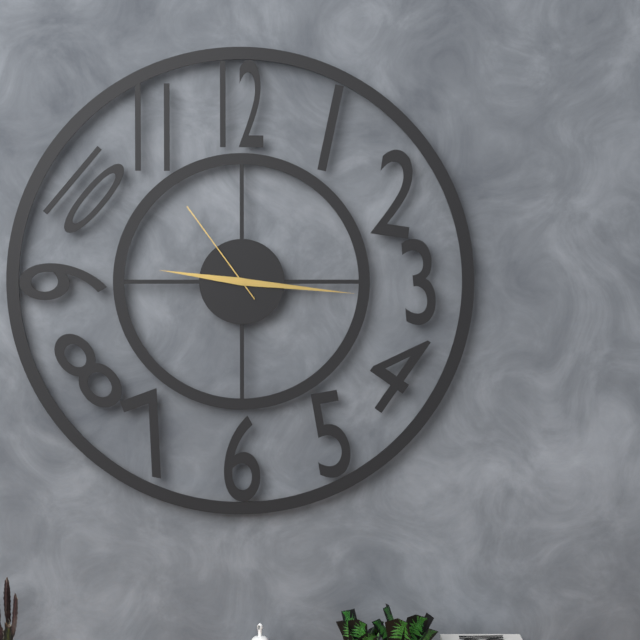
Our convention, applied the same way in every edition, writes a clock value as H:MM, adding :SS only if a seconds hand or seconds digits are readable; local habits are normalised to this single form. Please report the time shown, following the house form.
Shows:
9:16:54
